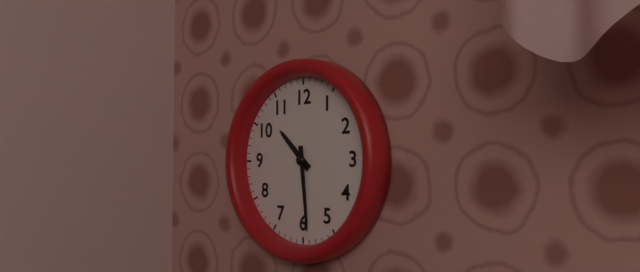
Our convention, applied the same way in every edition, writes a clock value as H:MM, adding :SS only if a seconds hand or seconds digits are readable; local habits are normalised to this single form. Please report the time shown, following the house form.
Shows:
10:29
